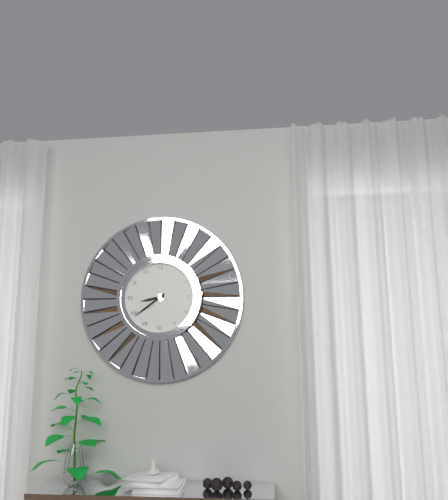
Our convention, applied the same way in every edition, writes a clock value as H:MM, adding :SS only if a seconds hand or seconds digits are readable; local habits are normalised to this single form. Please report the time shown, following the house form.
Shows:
8:39
